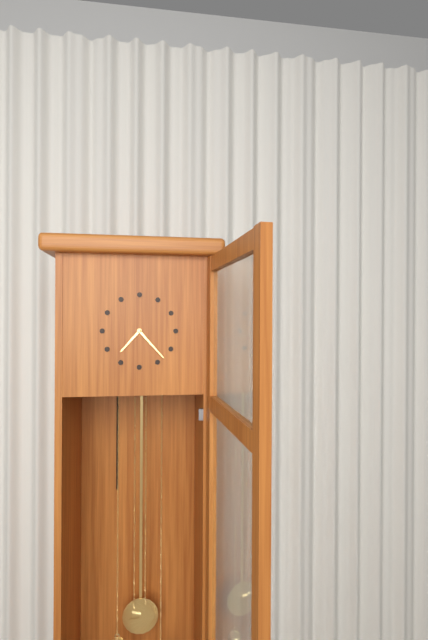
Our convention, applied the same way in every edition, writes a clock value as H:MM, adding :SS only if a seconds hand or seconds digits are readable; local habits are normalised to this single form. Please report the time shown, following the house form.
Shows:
7:23
